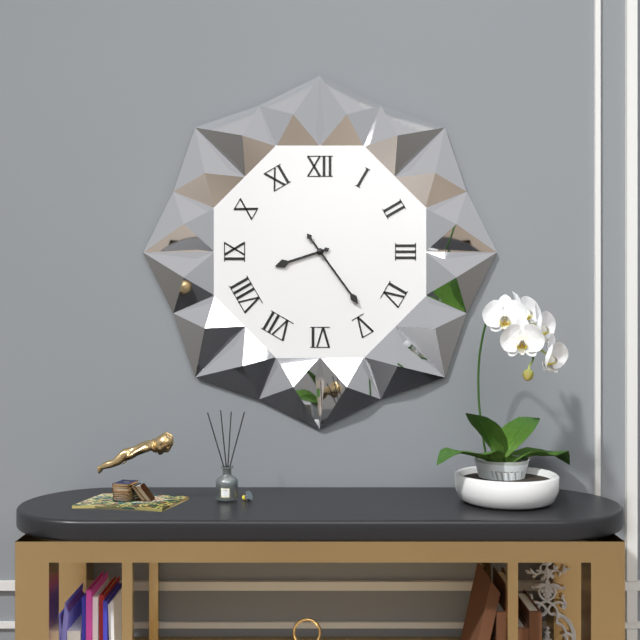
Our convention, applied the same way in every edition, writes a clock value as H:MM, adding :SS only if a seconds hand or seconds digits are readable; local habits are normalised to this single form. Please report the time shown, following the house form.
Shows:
8:24
